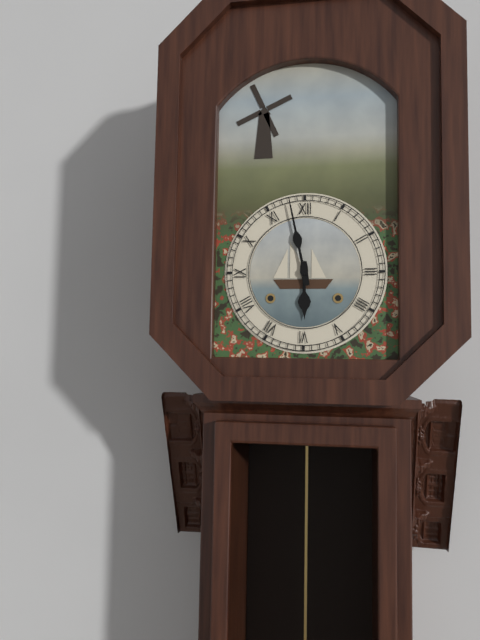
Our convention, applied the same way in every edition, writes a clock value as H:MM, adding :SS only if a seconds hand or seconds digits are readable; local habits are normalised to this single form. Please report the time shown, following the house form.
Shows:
5:58
